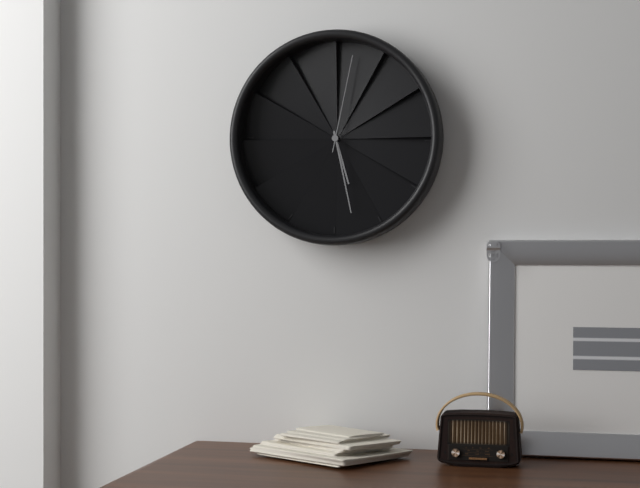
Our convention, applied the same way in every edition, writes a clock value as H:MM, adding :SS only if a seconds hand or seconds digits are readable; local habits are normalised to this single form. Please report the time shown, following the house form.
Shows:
5:28:02
